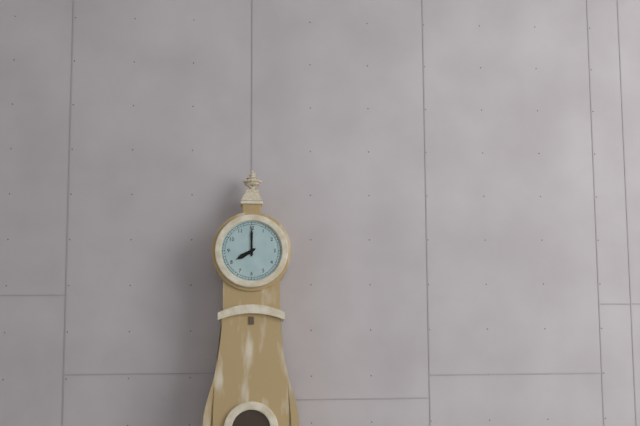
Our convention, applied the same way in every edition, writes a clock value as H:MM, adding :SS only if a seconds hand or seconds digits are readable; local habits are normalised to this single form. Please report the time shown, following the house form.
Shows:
8:00
